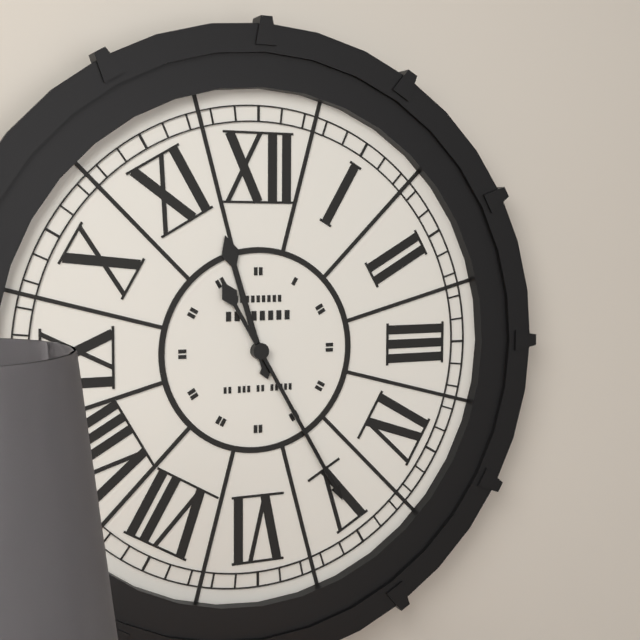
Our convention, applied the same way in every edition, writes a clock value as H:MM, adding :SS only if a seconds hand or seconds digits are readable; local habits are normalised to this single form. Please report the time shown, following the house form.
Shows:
11:25
